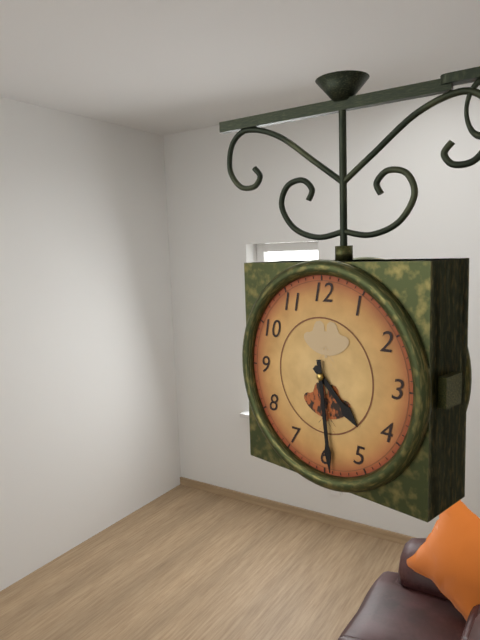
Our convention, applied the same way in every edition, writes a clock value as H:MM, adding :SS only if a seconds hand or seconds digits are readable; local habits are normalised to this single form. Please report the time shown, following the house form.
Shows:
4:29
